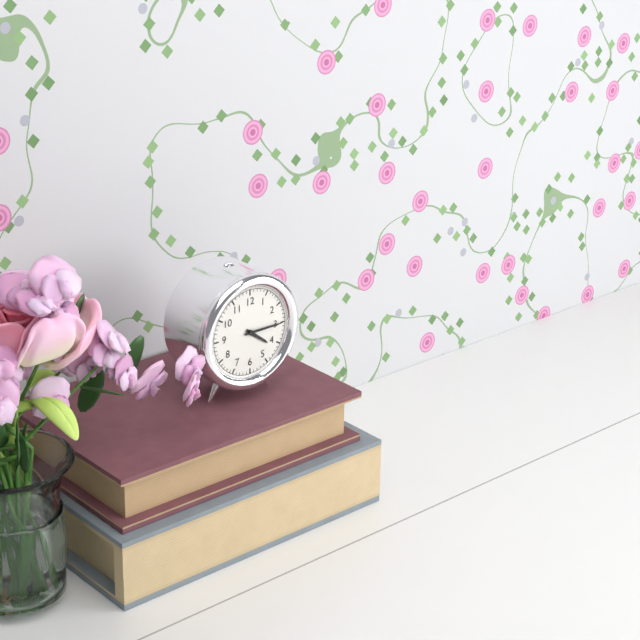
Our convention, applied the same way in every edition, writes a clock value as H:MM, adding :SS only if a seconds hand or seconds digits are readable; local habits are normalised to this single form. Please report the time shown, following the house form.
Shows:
4:15
